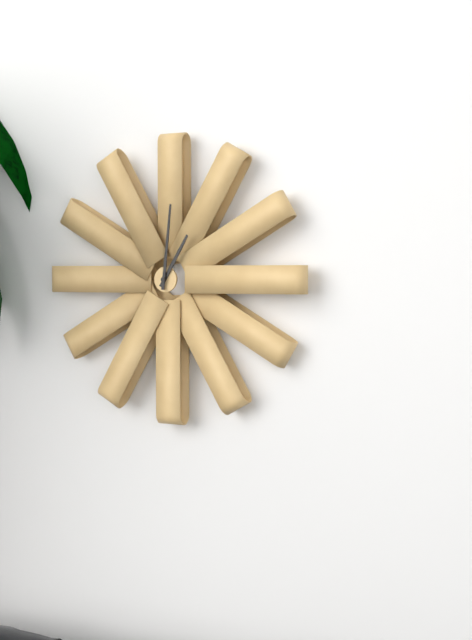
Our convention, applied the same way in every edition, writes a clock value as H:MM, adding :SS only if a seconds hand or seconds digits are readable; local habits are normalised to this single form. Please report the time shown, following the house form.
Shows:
1:01
